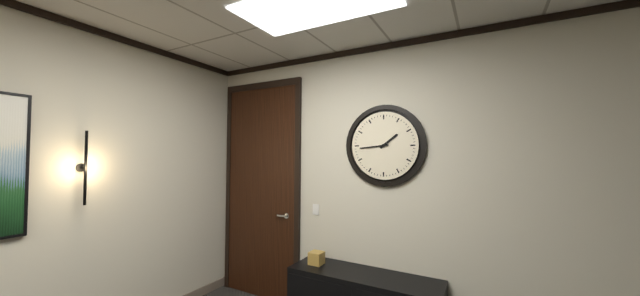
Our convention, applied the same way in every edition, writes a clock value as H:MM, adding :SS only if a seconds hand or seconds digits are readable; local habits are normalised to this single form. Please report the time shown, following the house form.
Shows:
1:44
